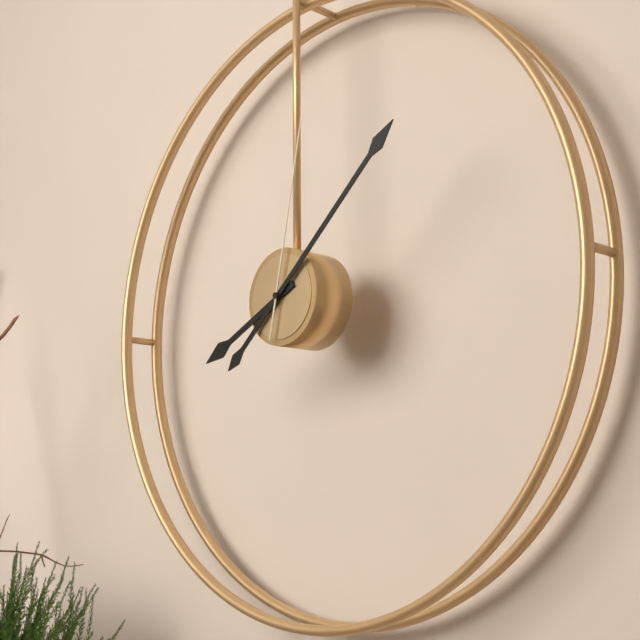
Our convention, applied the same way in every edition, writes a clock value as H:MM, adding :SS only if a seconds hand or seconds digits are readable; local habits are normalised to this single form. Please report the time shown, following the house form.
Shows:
8:08:02
